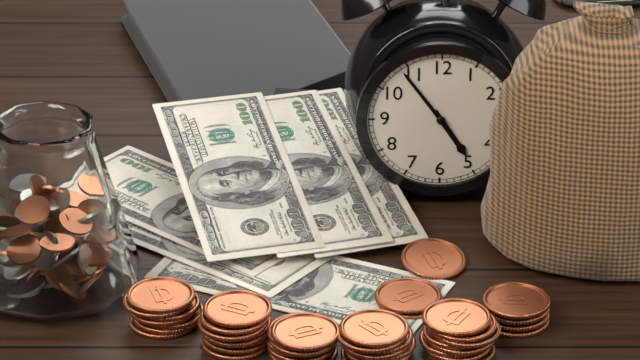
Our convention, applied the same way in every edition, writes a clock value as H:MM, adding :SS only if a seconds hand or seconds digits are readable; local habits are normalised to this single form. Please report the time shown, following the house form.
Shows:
4:54
